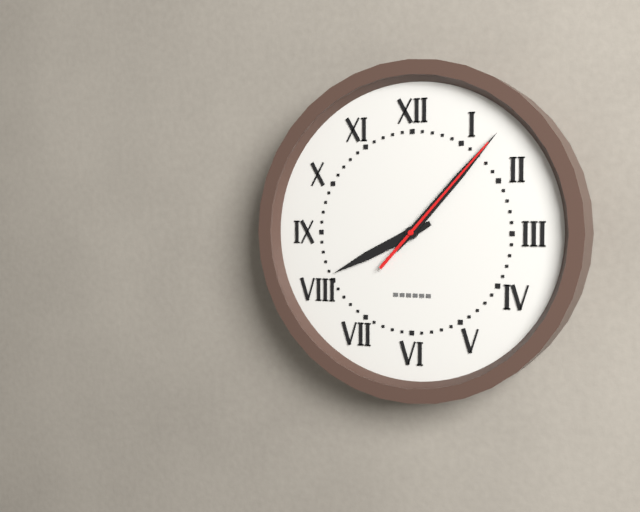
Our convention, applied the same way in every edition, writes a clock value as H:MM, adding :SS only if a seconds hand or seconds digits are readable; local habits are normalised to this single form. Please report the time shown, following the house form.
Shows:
8:07:07
